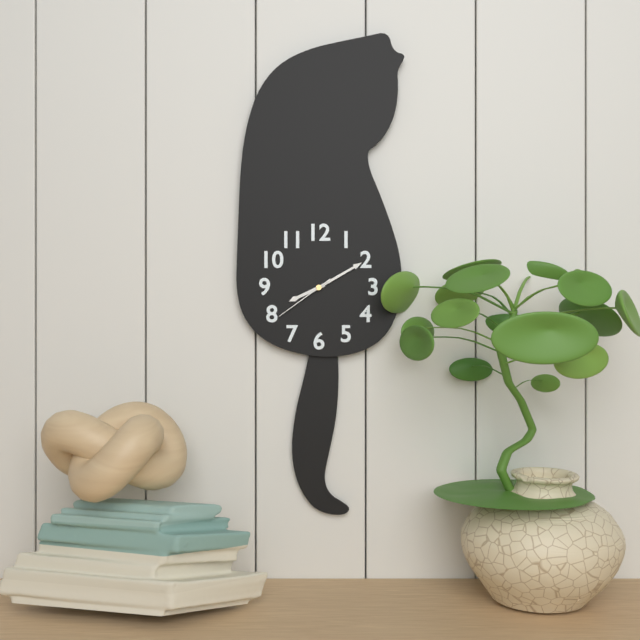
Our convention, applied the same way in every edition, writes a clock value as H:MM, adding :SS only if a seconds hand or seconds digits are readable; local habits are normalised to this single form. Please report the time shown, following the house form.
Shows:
8:10:39
